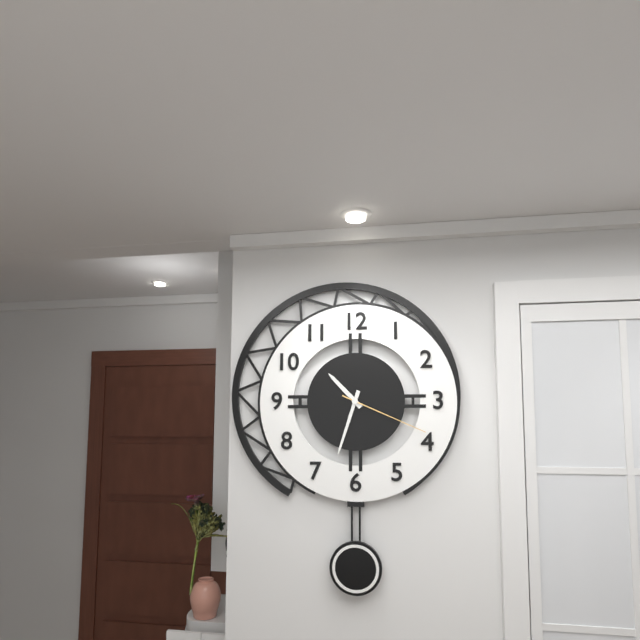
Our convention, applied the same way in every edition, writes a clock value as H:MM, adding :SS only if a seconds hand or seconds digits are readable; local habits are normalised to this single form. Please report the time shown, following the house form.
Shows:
10:33:19
